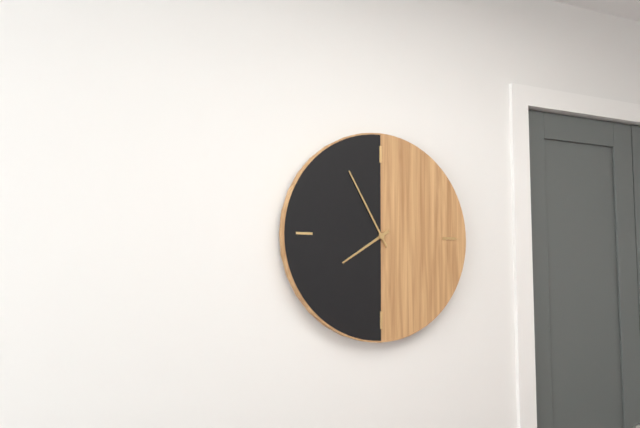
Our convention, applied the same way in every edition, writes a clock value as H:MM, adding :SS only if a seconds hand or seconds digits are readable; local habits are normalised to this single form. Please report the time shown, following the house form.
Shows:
7:55
